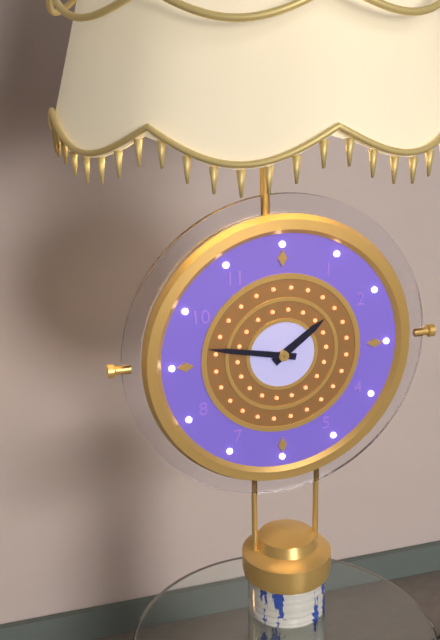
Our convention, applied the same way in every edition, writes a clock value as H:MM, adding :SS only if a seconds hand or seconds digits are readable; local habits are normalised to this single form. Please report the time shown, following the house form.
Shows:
1:47
